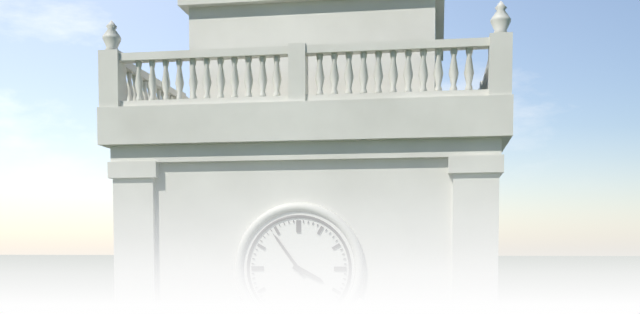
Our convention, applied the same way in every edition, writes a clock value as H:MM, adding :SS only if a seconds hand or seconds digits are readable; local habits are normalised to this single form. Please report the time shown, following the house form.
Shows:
3:54
